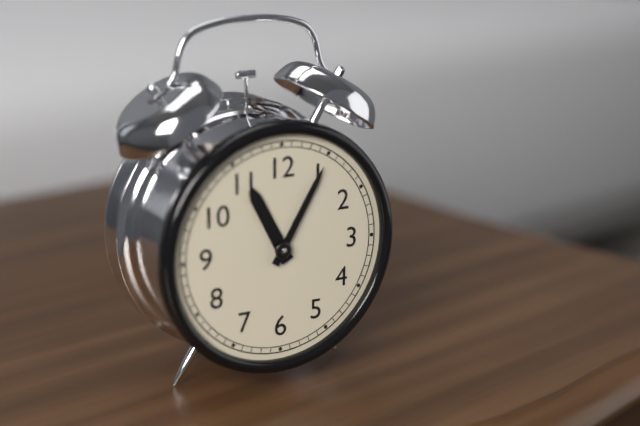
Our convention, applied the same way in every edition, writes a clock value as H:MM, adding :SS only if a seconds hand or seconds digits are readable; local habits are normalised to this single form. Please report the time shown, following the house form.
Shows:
11:05
